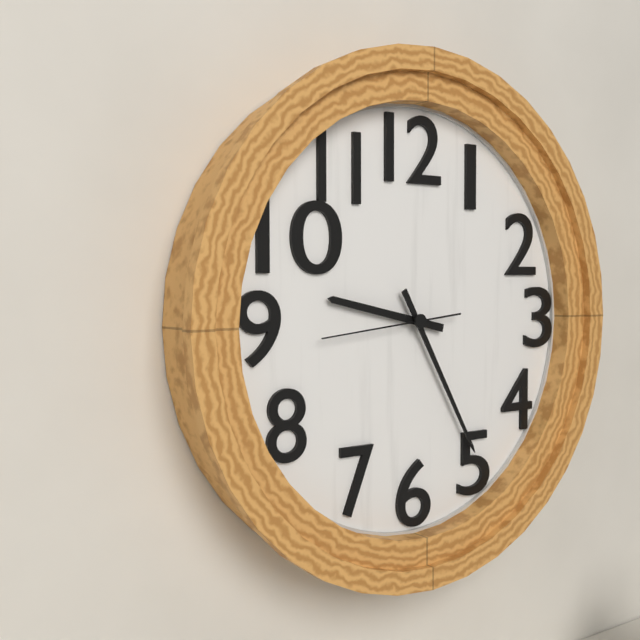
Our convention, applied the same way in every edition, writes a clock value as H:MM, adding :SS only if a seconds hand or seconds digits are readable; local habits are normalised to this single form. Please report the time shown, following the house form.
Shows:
9:25:44
